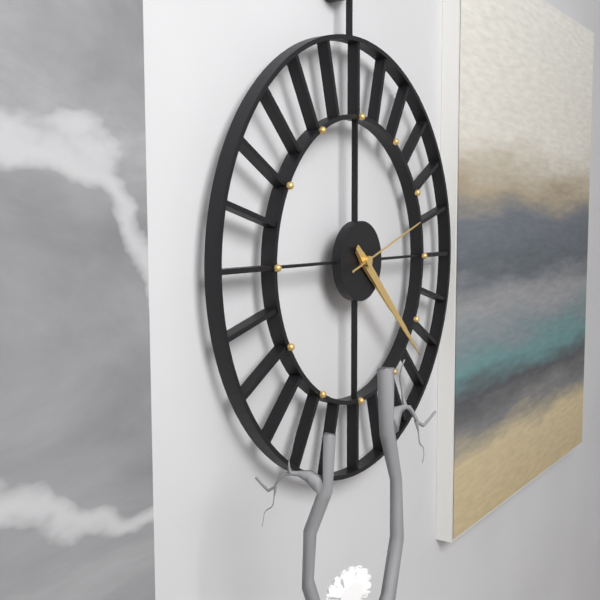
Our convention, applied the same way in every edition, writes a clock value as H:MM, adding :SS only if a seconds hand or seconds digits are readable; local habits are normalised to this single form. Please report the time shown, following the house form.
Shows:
4:22:12
